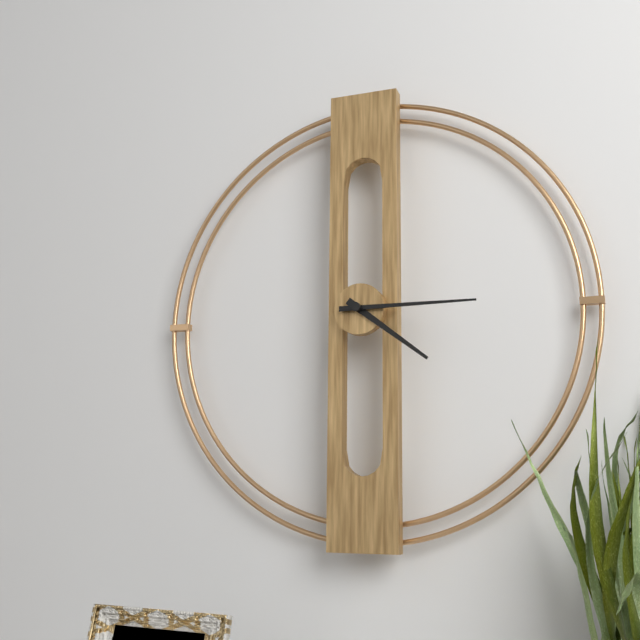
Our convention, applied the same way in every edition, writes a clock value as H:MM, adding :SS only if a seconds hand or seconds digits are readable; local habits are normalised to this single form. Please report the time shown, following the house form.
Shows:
4:15
